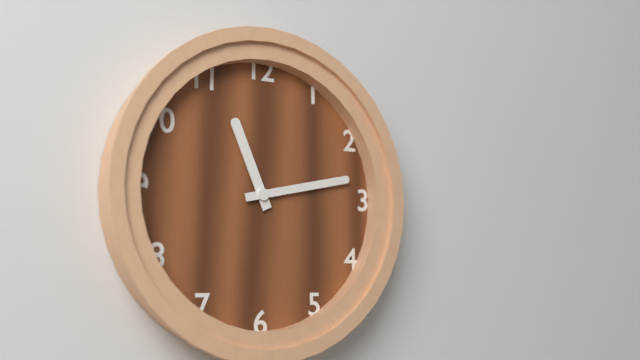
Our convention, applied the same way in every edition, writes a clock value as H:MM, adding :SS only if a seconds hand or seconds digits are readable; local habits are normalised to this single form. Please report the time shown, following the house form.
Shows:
11:13
